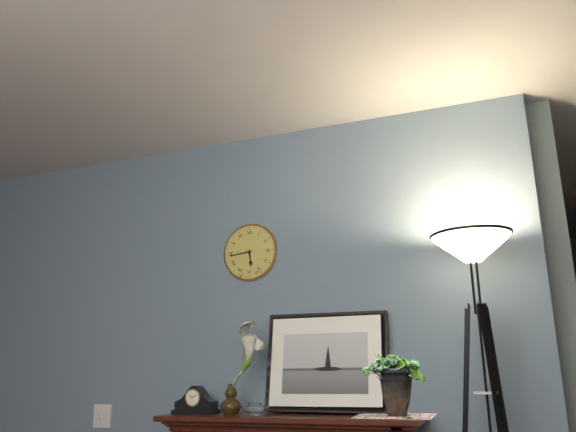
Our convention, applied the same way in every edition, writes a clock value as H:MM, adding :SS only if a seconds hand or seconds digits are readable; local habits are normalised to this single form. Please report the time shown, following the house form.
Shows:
5:44
